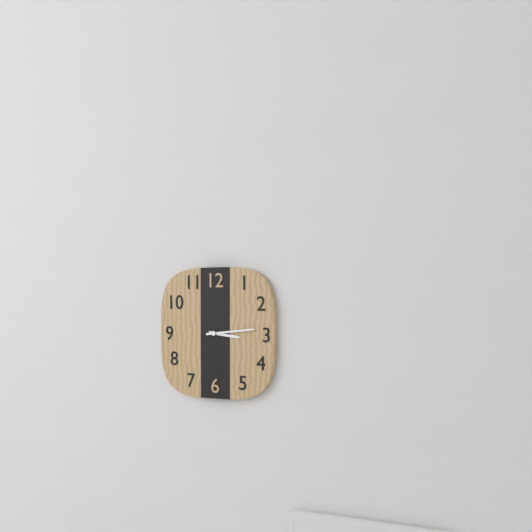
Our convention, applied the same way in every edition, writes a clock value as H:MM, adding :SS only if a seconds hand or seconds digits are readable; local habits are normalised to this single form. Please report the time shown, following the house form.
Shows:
3:14
